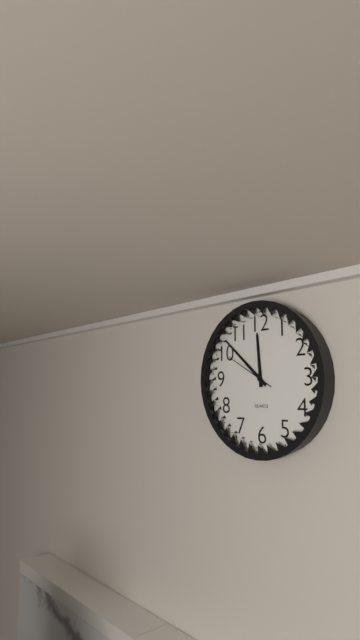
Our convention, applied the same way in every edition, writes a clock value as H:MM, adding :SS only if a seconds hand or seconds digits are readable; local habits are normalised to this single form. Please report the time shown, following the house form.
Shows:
11:52
